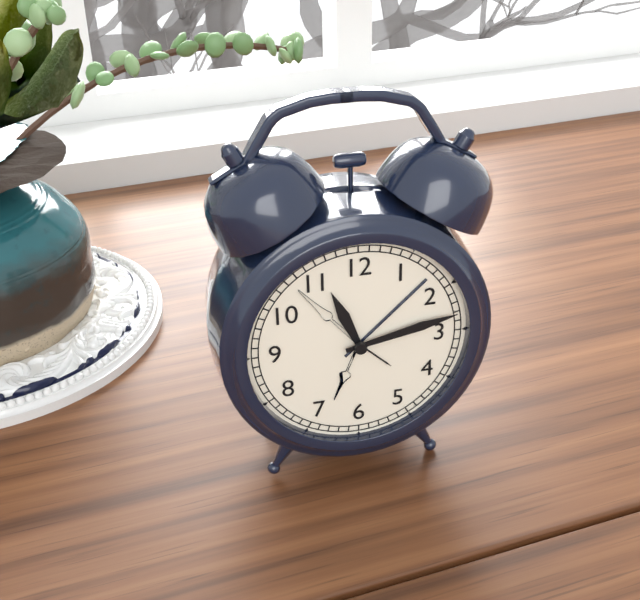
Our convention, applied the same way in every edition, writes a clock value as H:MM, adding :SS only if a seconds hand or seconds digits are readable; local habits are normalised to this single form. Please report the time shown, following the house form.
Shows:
11:13
